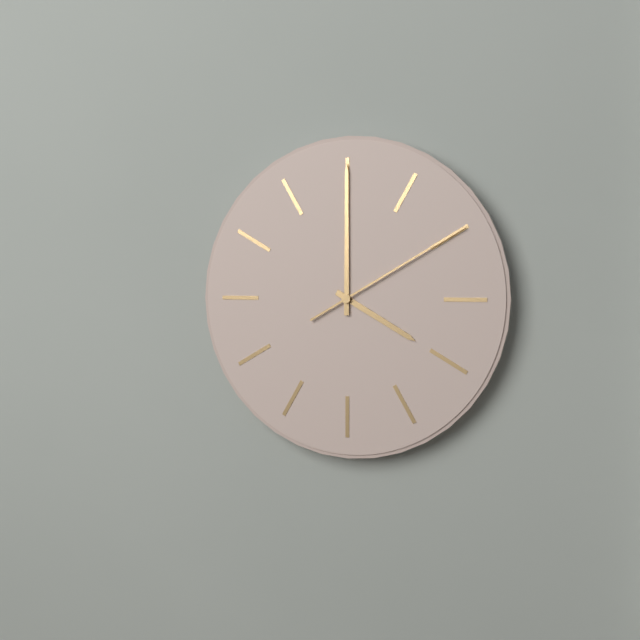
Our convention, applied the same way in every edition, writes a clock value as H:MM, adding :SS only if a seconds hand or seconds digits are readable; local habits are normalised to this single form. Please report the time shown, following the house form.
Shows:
4:00:10
